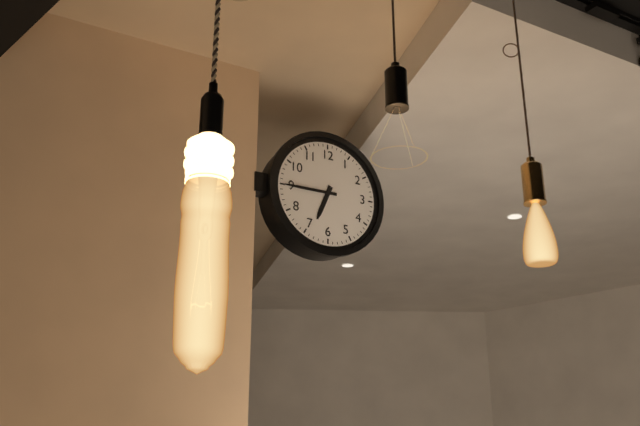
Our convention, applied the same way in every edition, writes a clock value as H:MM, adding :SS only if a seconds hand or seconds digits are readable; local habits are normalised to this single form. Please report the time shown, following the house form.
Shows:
6:45
